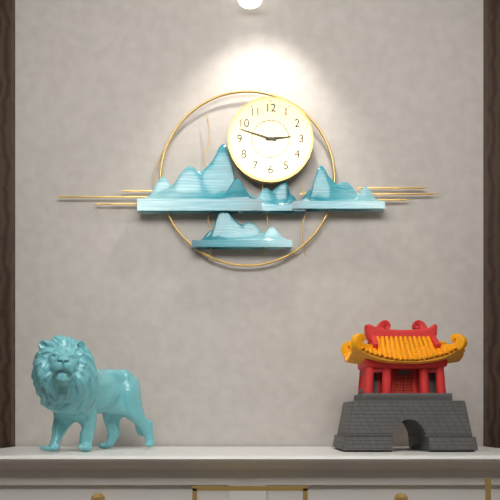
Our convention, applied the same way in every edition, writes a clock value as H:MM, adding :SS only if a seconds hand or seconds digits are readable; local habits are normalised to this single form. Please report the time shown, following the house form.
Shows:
2:48
